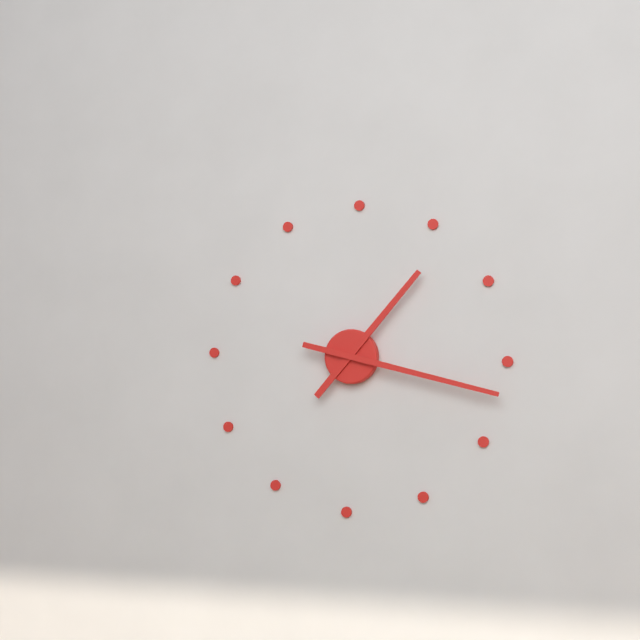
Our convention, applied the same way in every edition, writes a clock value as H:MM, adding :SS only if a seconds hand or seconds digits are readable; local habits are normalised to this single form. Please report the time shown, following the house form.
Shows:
1:17
